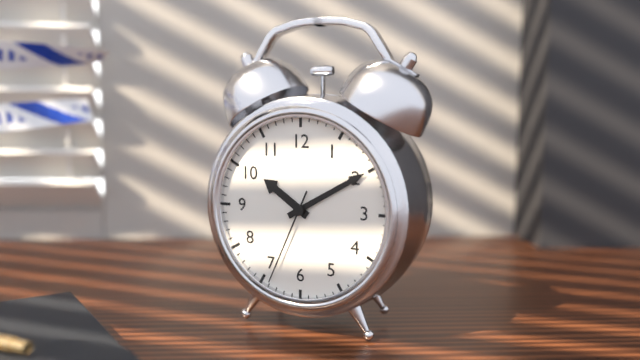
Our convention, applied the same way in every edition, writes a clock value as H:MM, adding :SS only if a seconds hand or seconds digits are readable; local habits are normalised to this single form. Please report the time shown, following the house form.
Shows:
10:10:34
